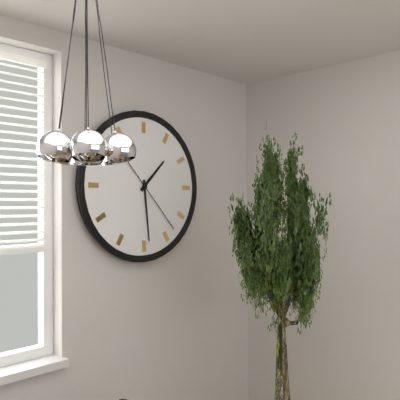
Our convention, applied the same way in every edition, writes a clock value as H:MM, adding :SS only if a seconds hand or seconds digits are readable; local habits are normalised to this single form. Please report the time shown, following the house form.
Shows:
1:29:23
